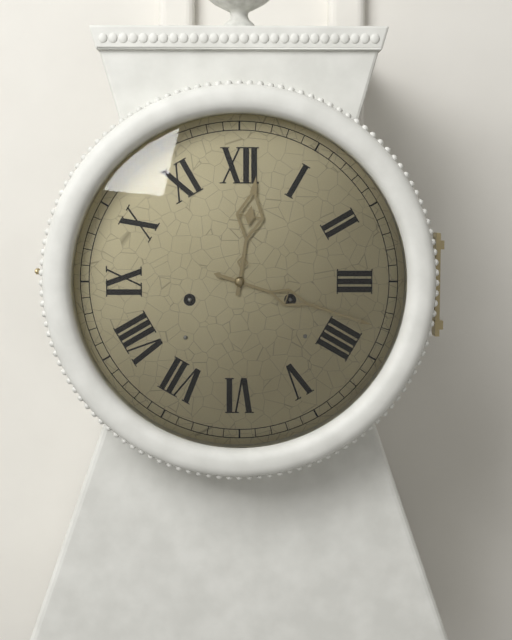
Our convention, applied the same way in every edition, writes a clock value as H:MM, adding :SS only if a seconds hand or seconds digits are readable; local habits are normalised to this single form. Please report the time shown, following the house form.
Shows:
12:18
